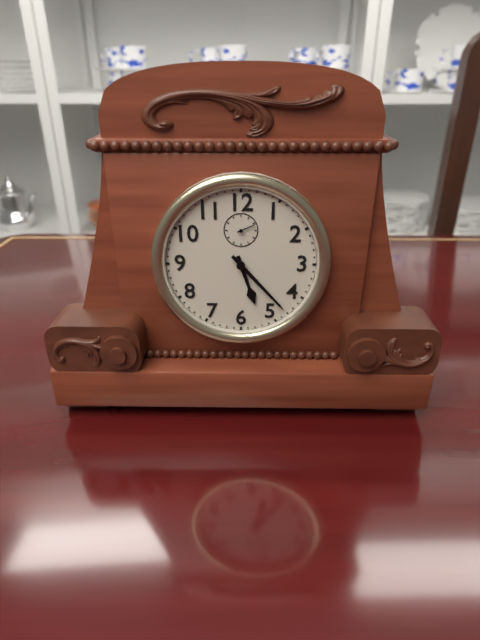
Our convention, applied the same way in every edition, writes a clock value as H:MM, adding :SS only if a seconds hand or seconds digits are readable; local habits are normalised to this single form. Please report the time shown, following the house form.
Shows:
5:23
